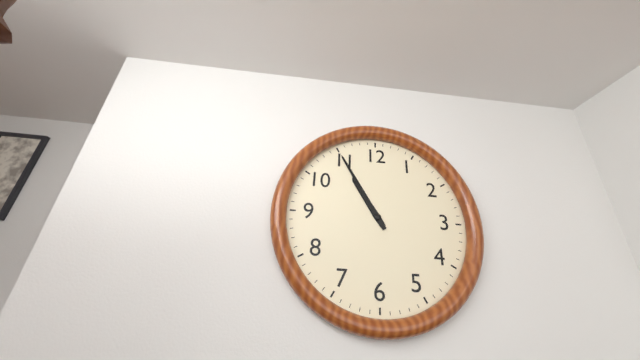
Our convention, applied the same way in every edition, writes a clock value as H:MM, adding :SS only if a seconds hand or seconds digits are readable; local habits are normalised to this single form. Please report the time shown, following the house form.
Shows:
10:55
